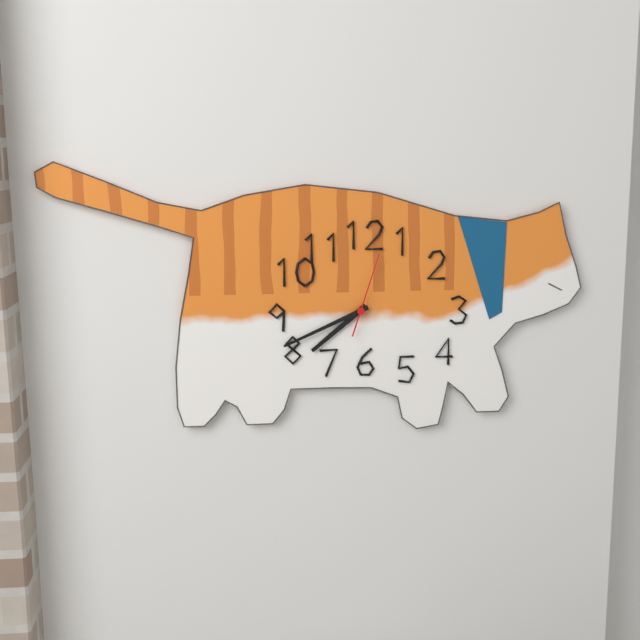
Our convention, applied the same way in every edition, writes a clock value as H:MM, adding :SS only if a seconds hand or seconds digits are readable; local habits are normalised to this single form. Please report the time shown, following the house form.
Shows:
7:41:03
